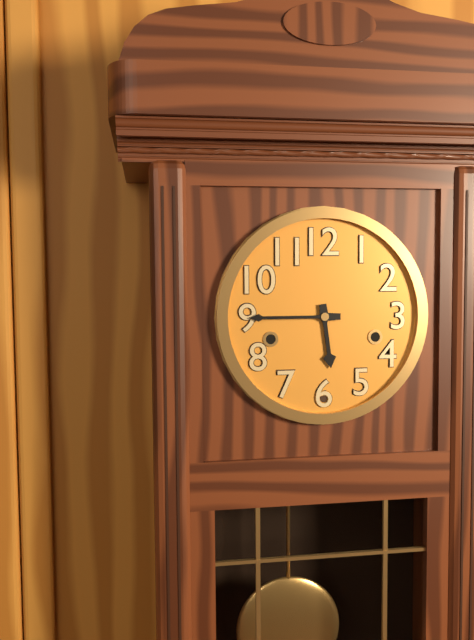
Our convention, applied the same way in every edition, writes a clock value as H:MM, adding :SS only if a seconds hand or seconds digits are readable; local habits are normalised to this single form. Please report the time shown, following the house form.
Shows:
5:45
